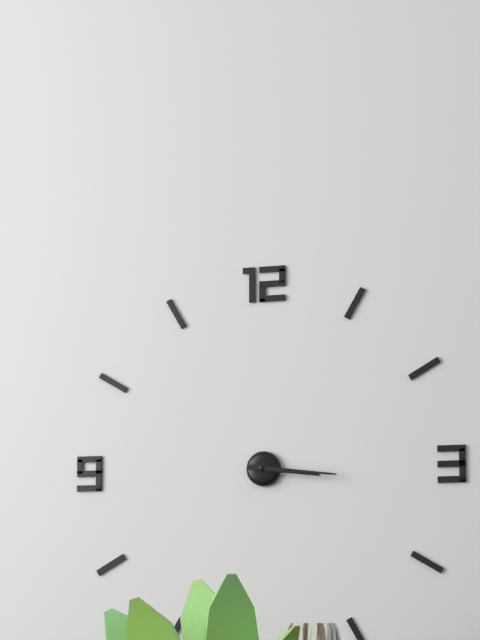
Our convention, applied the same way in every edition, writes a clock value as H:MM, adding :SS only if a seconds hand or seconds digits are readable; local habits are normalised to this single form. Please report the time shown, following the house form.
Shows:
3:16
